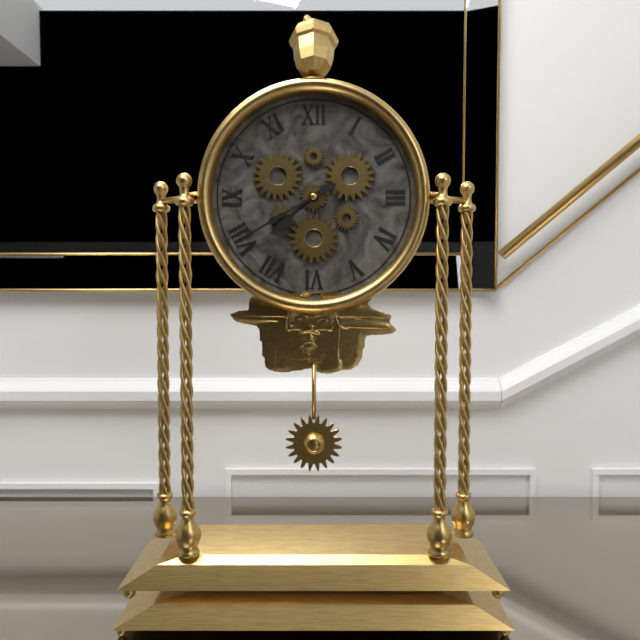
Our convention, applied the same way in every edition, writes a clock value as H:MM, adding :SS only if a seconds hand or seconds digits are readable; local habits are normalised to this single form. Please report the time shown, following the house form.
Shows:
7:40
